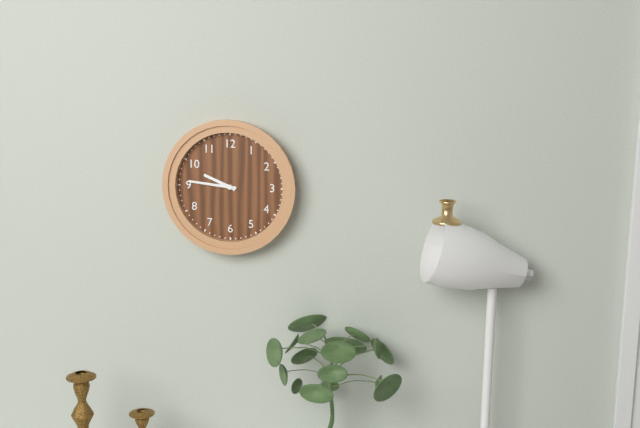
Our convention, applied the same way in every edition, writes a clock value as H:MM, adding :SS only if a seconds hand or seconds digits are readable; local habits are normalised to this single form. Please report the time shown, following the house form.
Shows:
9:46
